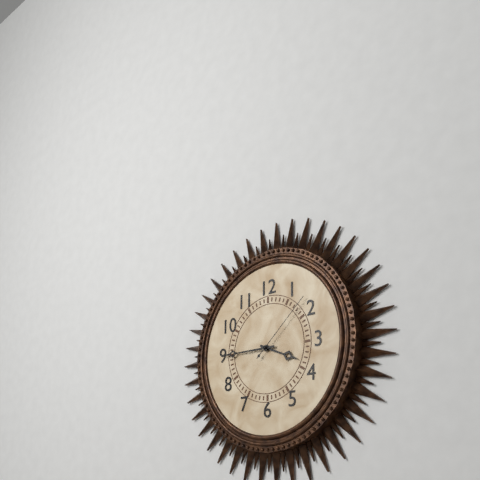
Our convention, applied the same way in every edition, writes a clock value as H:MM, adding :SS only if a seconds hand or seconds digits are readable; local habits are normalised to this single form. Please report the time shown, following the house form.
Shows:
3:45:08
